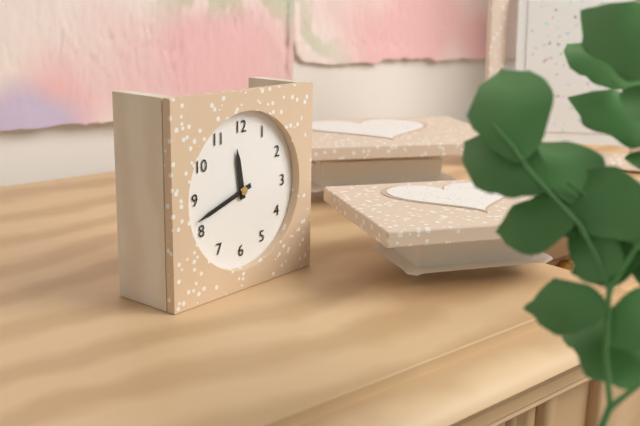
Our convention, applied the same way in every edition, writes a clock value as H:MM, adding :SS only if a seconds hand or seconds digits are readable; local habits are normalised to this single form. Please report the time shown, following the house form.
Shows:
11:42
